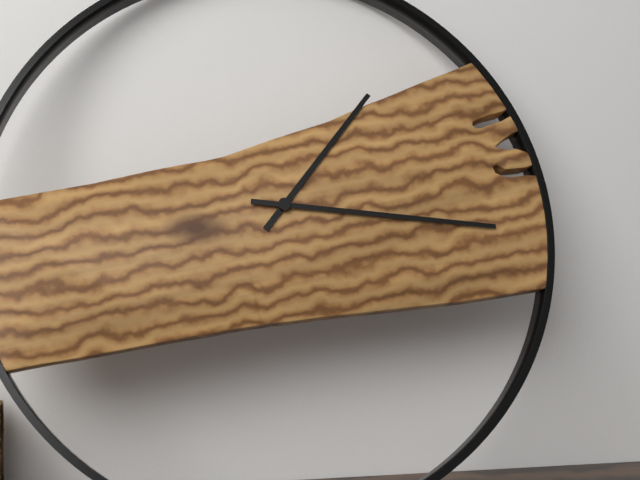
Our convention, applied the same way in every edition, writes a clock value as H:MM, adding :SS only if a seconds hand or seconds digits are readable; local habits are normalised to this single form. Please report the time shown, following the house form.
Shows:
1:16
